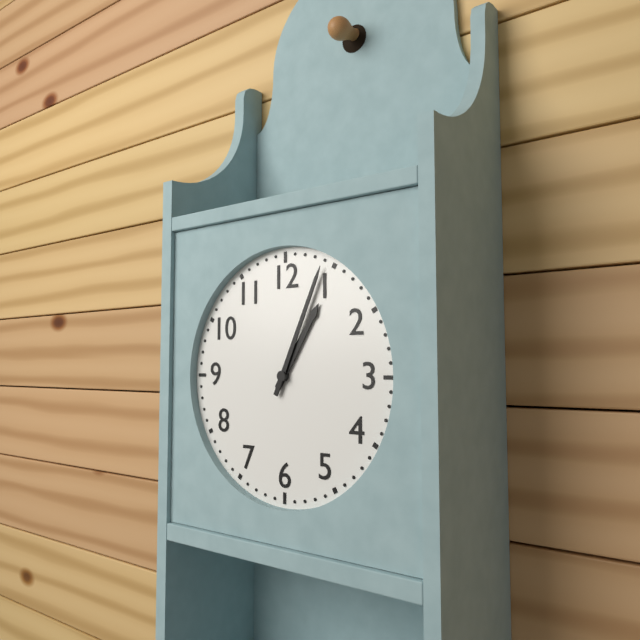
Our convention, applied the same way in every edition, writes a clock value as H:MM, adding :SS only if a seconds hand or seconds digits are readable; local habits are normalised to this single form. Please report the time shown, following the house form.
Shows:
1:04
